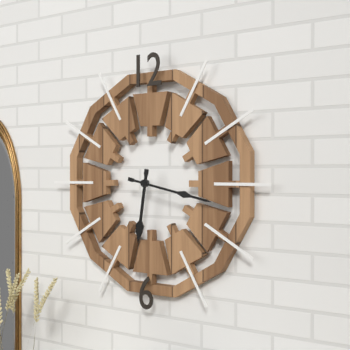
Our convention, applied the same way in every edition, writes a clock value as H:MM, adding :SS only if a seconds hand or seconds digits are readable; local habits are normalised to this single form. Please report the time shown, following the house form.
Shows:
6:17
